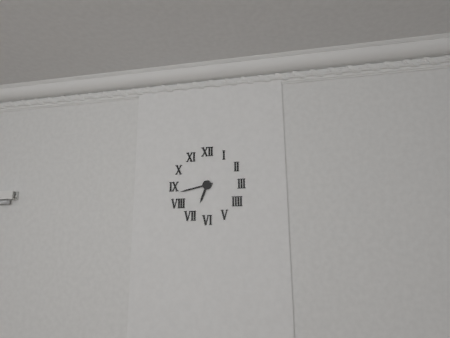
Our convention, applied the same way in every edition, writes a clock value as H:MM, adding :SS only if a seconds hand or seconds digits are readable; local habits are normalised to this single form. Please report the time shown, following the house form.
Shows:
6:43
